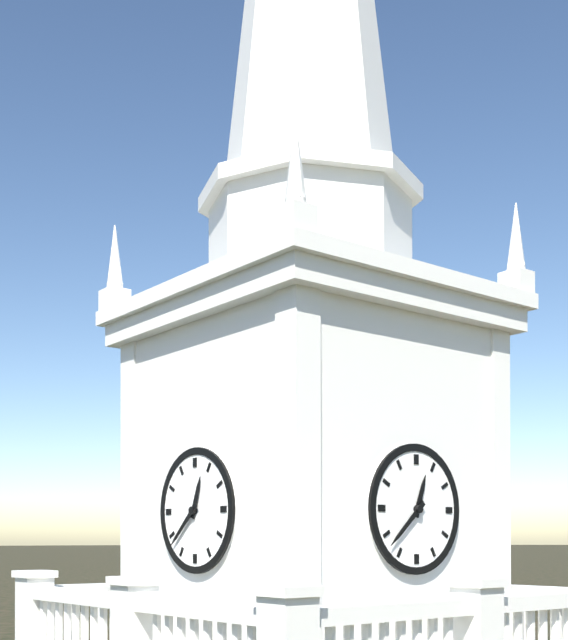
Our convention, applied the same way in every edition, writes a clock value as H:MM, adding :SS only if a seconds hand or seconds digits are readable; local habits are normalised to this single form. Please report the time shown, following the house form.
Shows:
12:38
